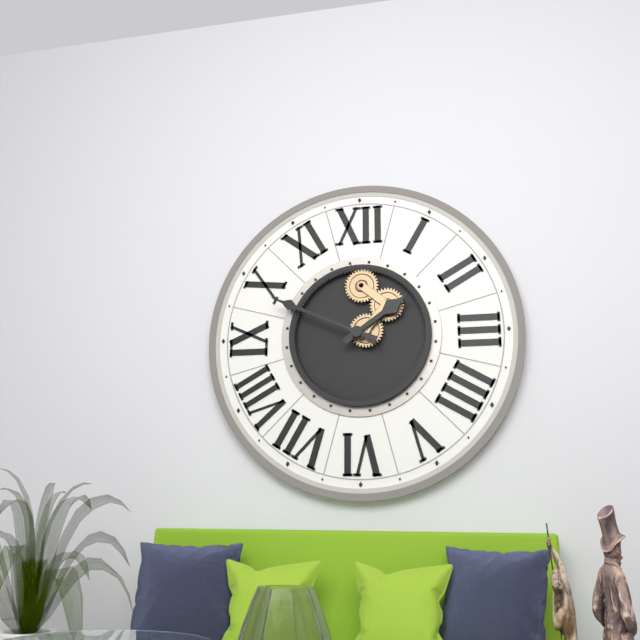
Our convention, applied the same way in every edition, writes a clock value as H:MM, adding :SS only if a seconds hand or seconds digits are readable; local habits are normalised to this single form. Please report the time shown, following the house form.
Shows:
1:49
